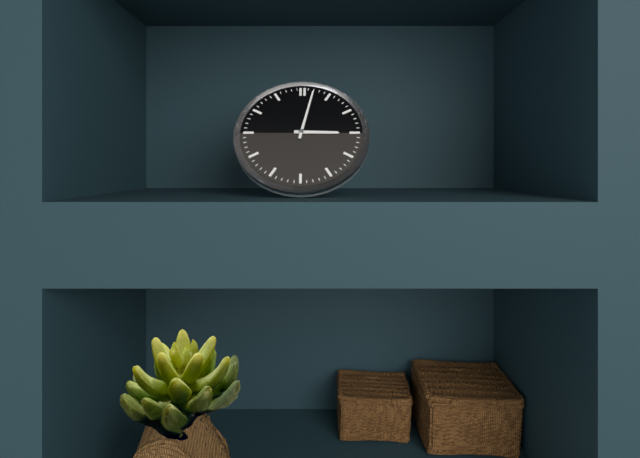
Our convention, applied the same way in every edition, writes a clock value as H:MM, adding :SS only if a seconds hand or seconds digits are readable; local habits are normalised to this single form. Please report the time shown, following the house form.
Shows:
3:02
